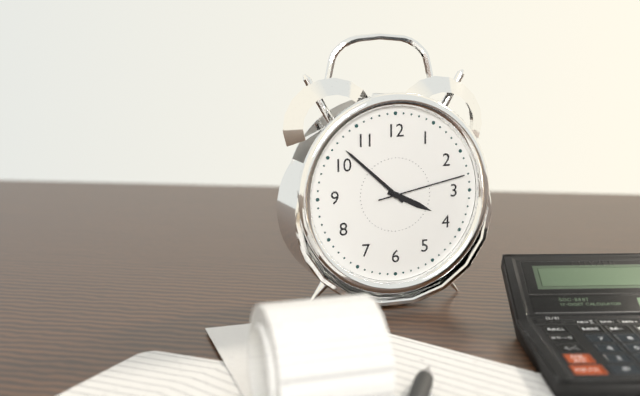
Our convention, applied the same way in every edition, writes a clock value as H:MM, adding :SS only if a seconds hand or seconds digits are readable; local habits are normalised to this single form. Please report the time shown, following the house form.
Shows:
3:52:13
